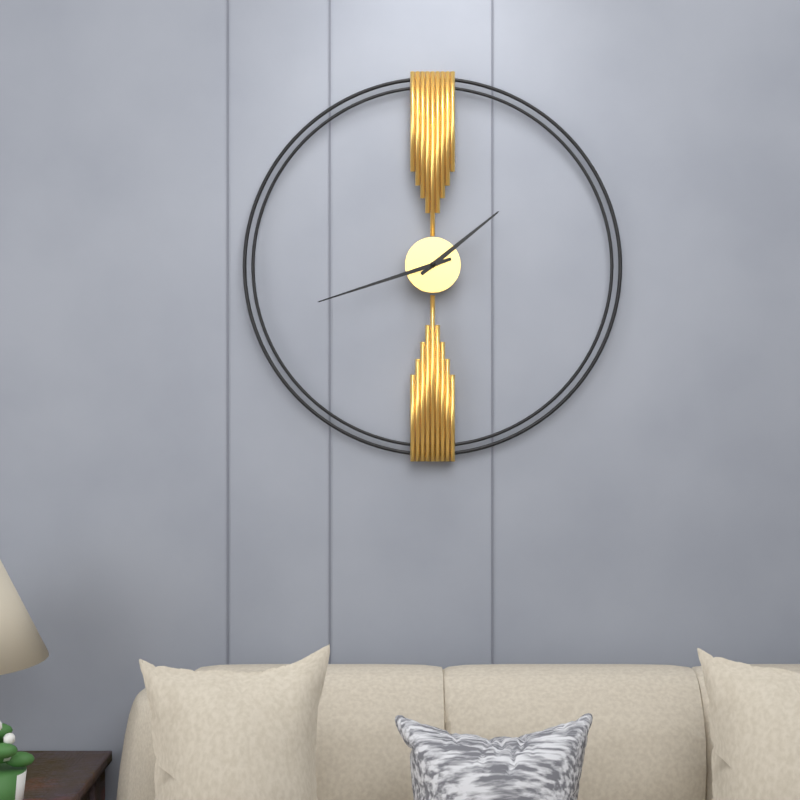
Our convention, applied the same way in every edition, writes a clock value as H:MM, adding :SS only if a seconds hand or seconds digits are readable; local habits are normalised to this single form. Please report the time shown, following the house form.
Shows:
1:42
